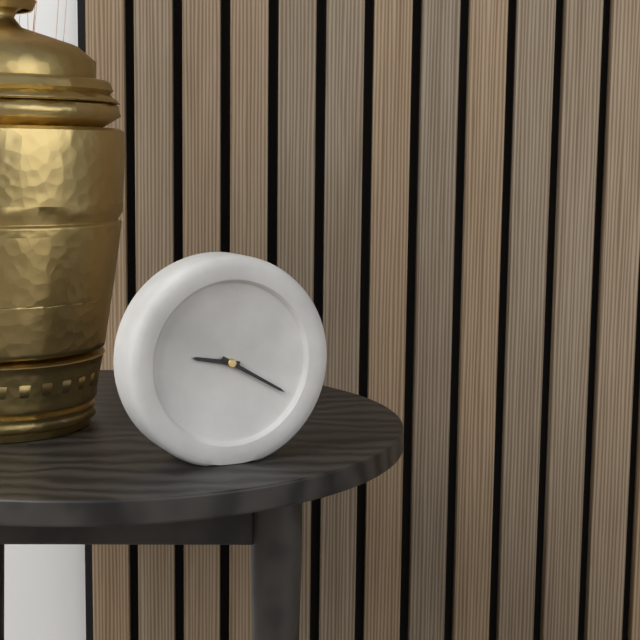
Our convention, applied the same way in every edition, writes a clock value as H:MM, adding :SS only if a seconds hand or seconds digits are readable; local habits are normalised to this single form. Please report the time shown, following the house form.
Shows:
9:20
